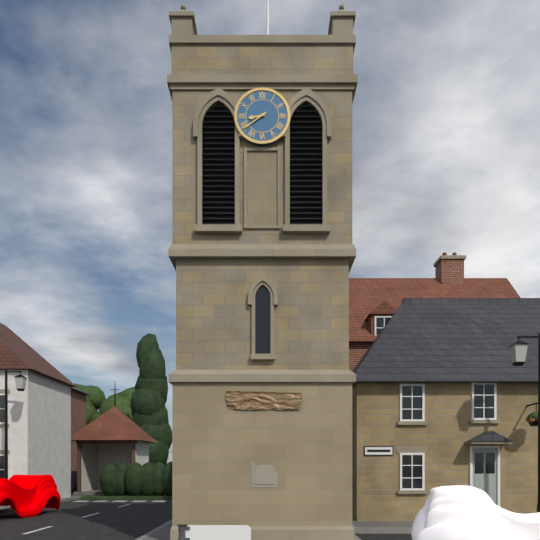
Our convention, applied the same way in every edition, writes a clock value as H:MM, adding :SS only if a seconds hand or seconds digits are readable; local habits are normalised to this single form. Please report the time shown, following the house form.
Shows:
8:39
